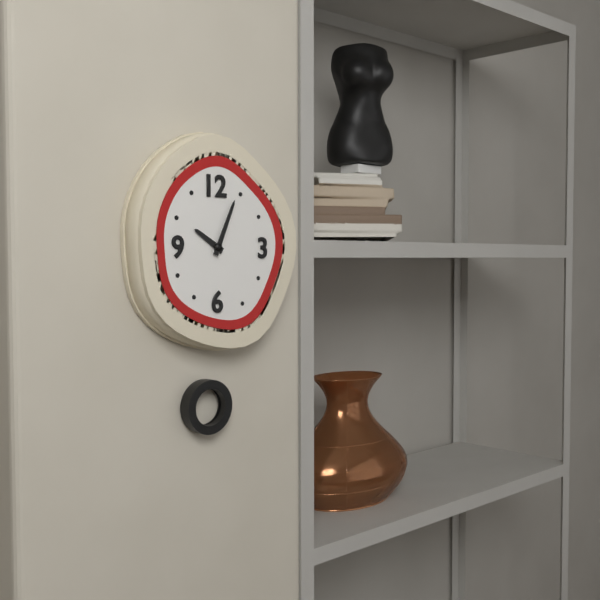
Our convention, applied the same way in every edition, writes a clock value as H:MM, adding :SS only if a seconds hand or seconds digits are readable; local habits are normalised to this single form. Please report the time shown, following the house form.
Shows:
10:04
